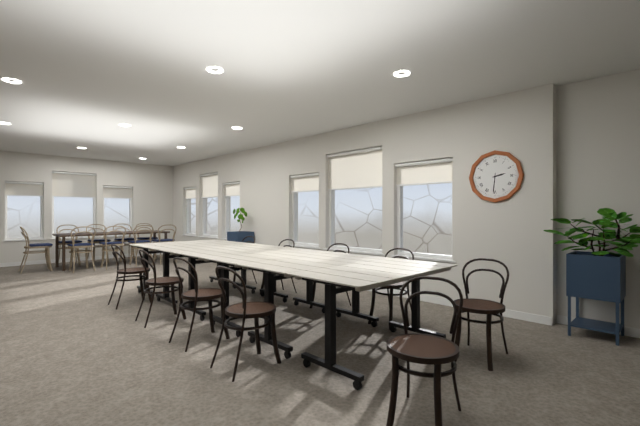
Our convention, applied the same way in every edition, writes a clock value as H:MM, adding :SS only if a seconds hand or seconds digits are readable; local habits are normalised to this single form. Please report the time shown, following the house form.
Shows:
2:31
